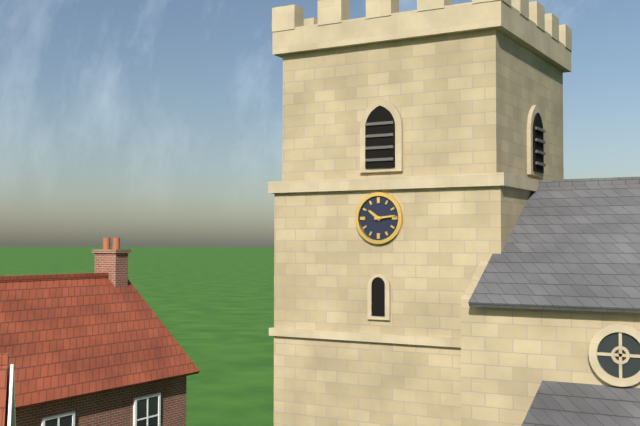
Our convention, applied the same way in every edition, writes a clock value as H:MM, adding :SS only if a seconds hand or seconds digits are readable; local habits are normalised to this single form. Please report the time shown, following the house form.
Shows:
10:14
